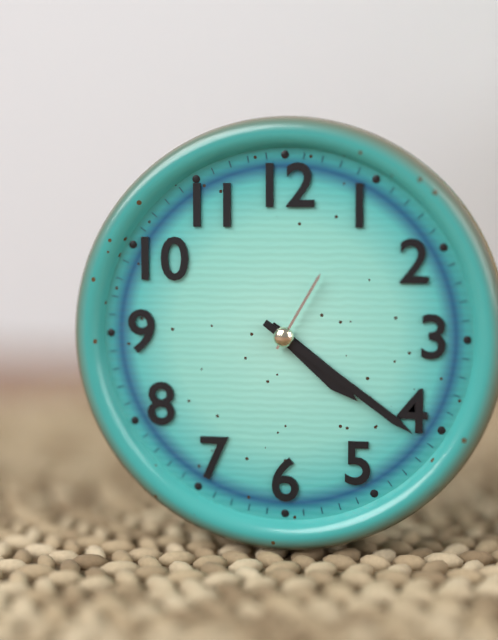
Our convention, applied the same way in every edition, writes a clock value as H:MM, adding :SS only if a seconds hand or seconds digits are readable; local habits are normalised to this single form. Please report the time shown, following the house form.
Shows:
4:21:05
